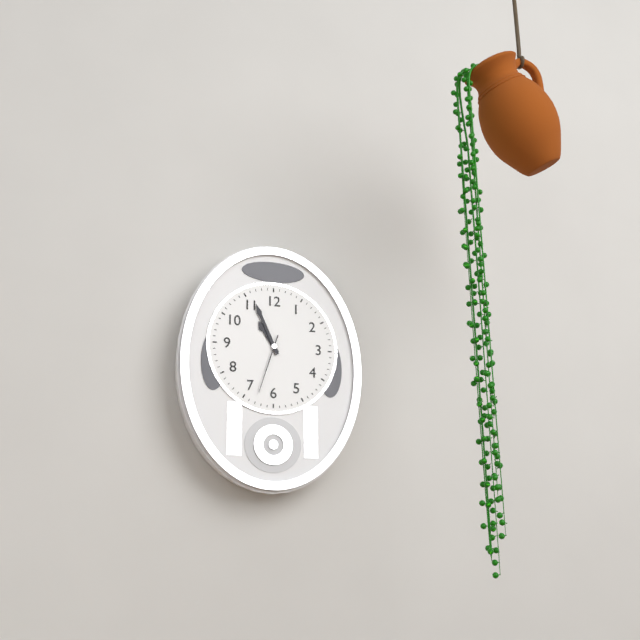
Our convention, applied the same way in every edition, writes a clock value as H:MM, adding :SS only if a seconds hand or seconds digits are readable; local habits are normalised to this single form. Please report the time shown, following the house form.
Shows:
10:56:33
